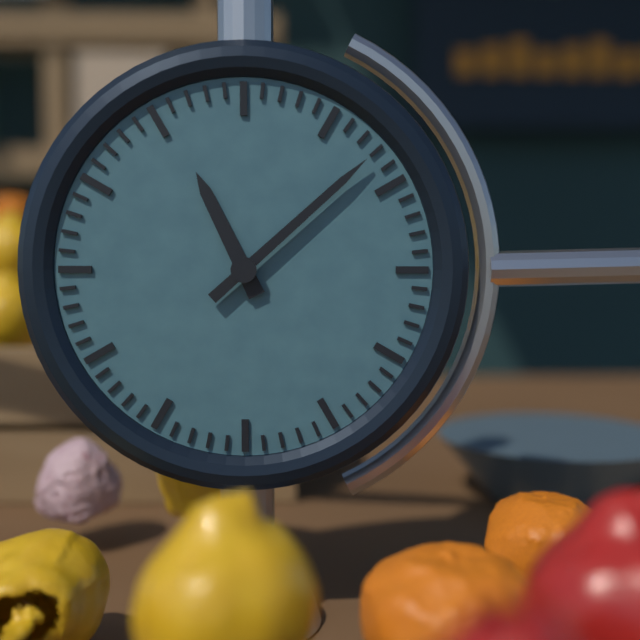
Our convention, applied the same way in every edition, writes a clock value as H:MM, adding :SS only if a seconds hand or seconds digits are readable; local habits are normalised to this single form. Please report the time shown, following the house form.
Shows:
11:08
